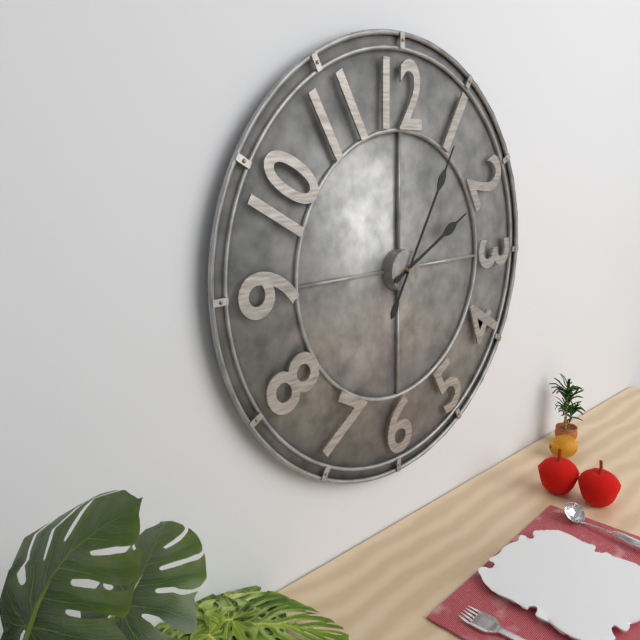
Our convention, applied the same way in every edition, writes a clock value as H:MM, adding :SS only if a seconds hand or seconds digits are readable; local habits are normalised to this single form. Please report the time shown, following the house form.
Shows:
2:05
